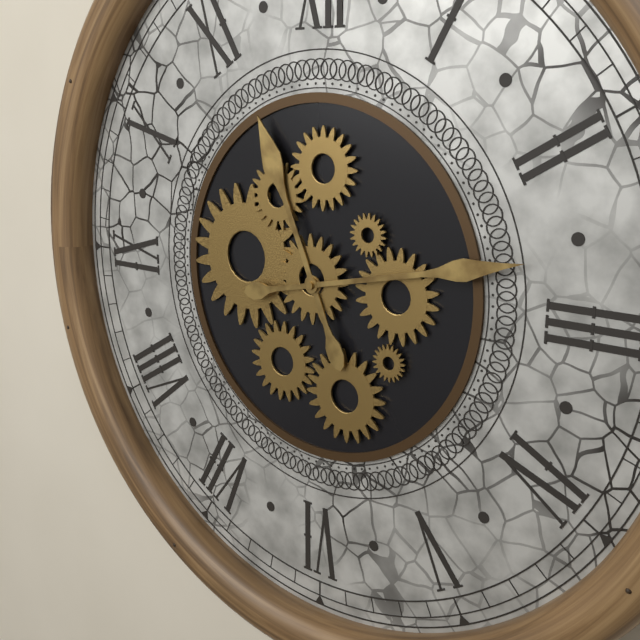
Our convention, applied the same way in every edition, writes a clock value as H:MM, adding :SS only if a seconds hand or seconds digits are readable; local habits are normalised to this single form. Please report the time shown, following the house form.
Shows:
11:13
